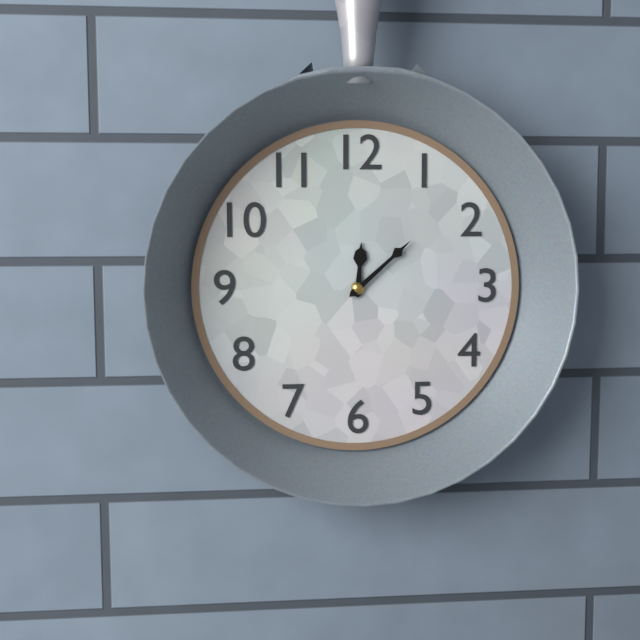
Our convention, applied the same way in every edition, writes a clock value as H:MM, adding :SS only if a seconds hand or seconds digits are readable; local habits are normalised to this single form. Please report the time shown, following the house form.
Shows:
12:08
